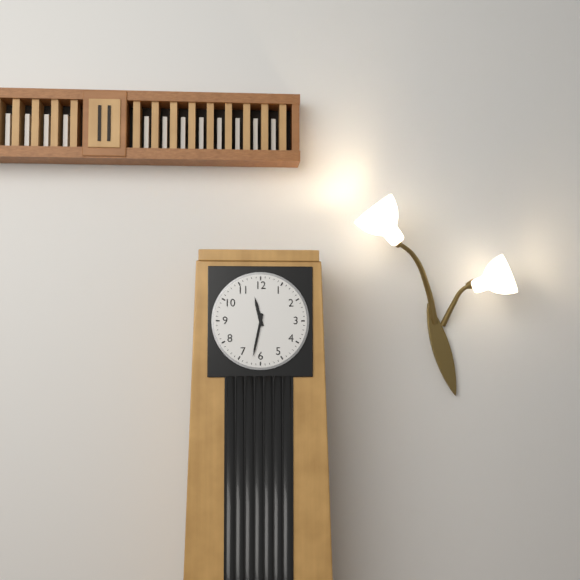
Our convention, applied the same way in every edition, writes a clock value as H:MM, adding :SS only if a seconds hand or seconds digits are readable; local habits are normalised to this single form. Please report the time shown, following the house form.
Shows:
11:32
